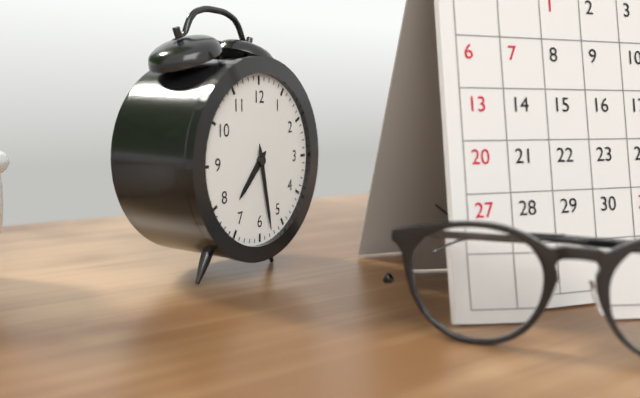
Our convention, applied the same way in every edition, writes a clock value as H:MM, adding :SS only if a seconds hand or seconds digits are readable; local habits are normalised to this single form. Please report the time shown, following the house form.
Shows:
7:28
